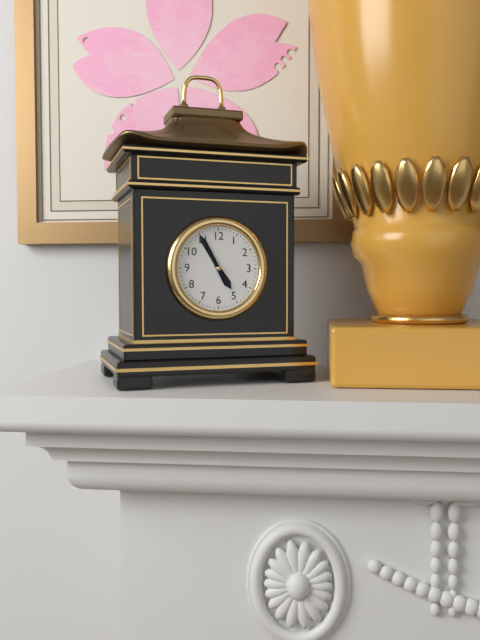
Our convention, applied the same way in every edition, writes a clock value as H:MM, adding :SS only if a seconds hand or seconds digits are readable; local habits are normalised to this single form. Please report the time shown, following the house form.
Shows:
4:55
